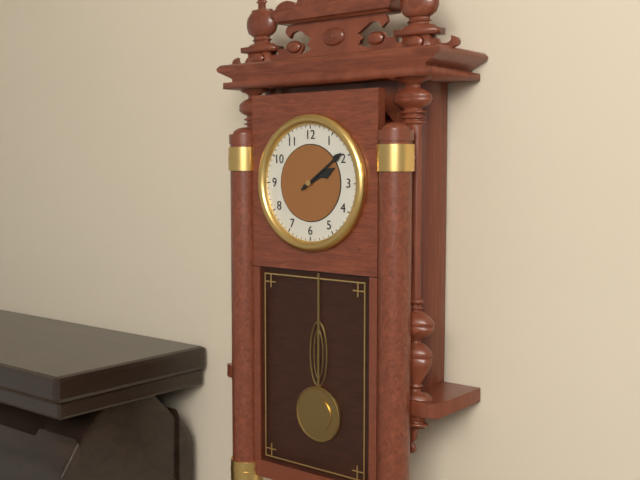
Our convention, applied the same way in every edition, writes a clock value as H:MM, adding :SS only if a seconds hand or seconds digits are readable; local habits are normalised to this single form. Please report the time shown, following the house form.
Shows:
2:09
